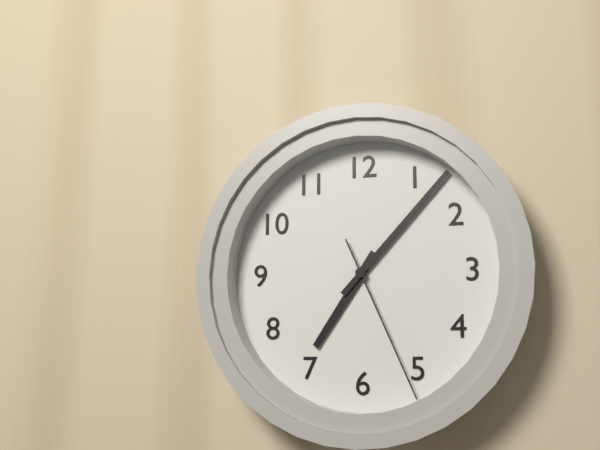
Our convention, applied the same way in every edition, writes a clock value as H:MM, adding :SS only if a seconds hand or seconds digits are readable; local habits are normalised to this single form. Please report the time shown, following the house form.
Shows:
7:07:26
